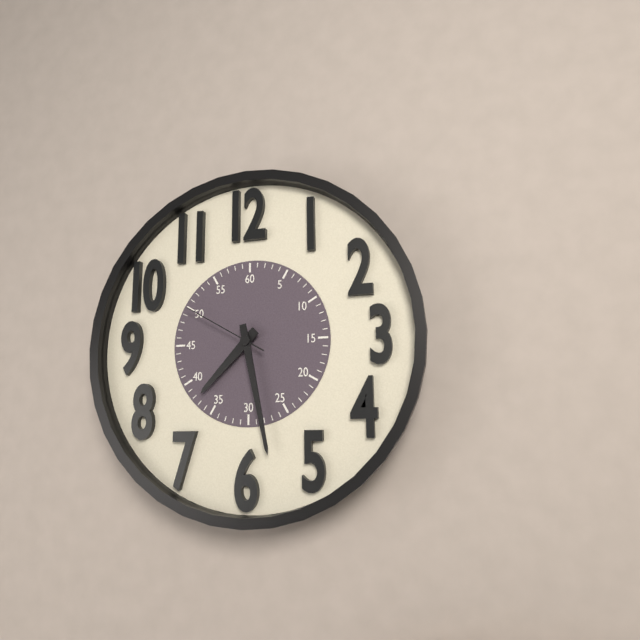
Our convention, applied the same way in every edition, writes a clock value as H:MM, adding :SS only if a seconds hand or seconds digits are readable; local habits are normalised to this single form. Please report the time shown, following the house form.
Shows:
7:28:50
